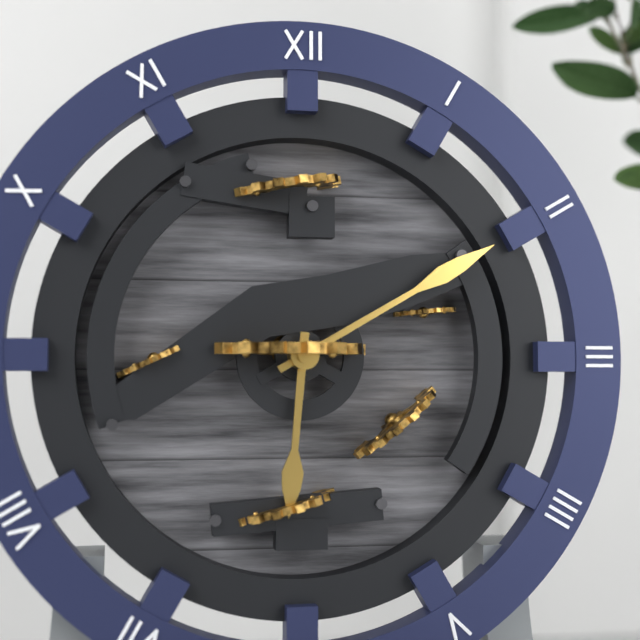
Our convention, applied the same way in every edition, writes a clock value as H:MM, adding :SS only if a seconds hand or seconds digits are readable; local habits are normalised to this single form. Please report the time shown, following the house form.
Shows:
6:10
